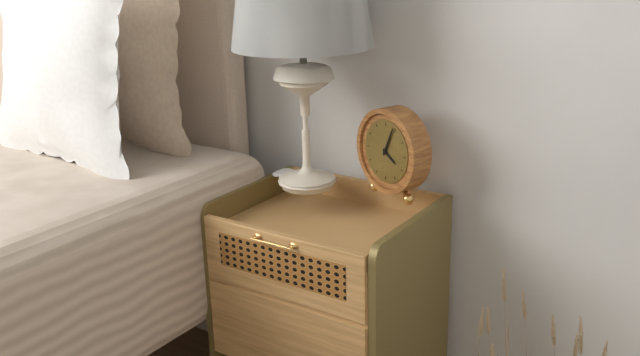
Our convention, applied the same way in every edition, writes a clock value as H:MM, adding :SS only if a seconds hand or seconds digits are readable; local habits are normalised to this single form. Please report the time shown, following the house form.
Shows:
4:04
